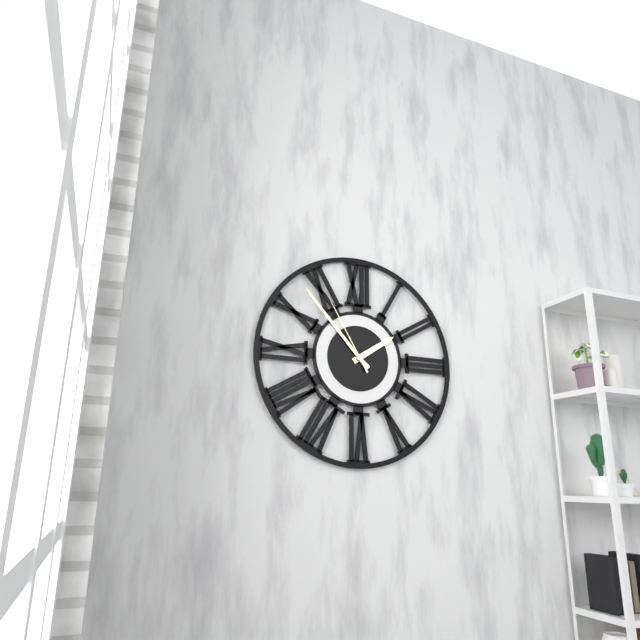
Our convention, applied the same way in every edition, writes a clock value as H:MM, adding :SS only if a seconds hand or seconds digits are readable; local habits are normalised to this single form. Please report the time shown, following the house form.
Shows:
1:53:55
